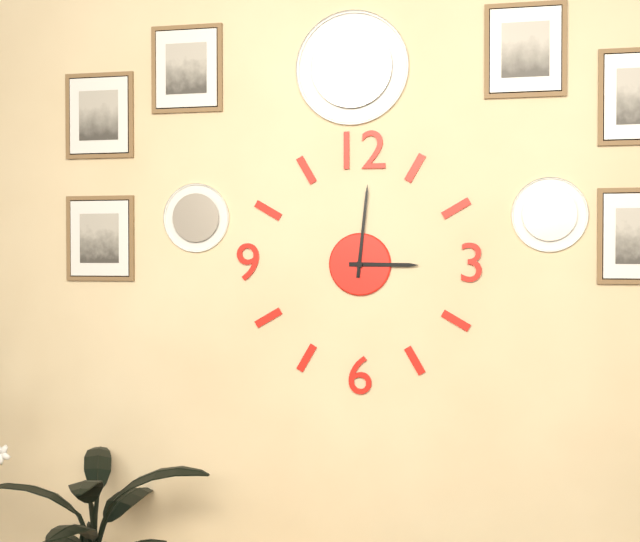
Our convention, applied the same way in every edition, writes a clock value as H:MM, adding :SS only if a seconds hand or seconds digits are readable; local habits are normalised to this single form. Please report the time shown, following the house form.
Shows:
3:01
